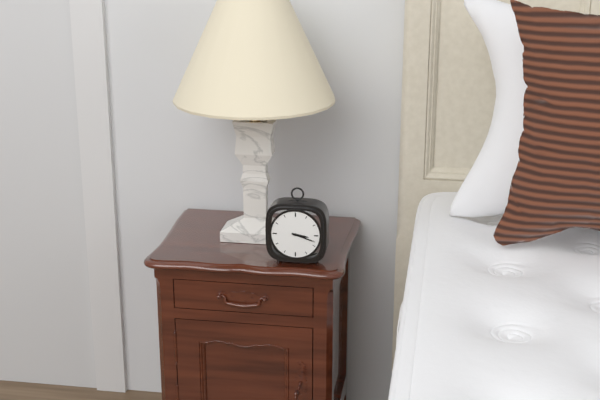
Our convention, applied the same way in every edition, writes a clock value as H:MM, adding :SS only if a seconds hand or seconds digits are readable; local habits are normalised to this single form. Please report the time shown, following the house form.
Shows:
3:18
